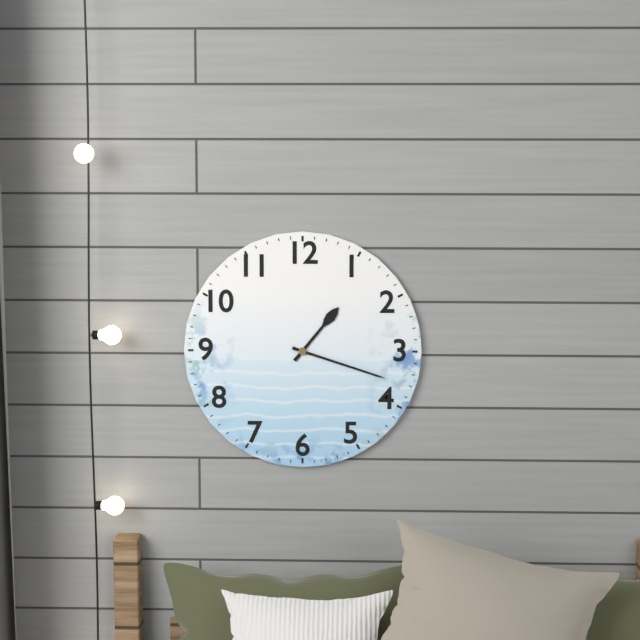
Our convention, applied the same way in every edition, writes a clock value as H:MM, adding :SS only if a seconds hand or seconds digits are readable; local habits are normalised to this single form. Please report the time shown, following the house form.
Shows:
1:18
